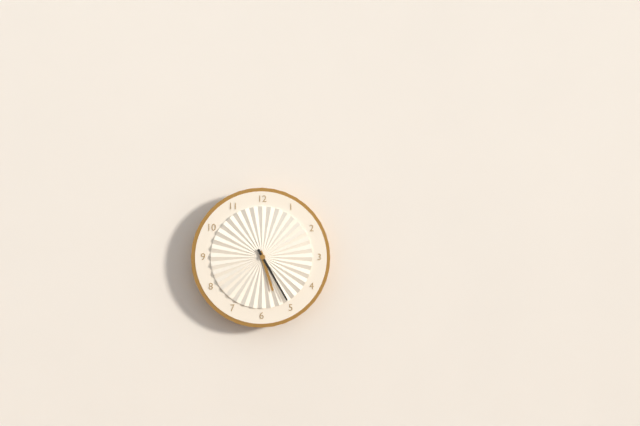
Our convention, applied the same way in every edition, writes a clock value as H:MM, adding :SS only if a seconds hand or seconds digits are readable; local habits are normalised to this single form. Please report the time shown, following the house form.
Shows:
5:25
